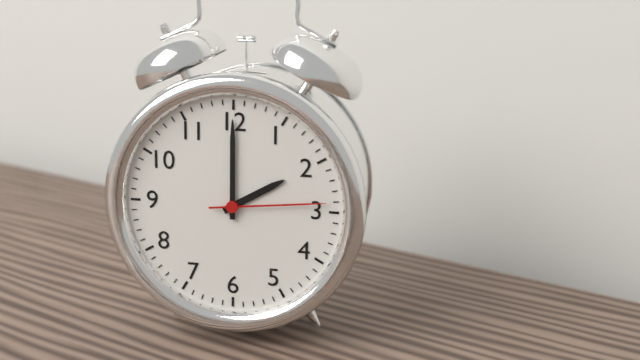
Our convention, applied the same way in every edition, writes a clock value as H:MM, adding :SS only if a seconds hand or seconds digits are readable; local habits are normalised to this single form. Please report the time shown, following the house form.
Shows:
2:00:14
